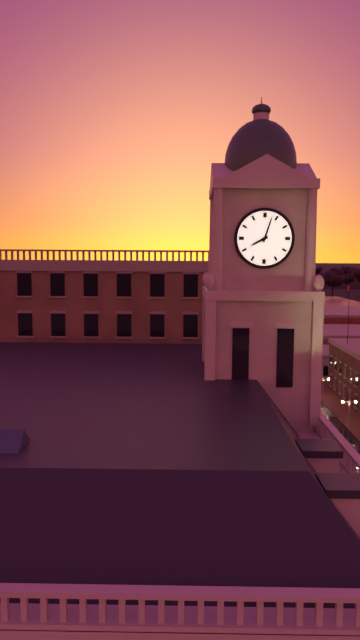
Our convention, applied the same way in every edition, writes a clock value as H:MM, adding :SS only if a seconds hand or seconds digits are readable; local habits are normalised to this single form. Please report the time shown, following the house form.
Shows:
8:03
